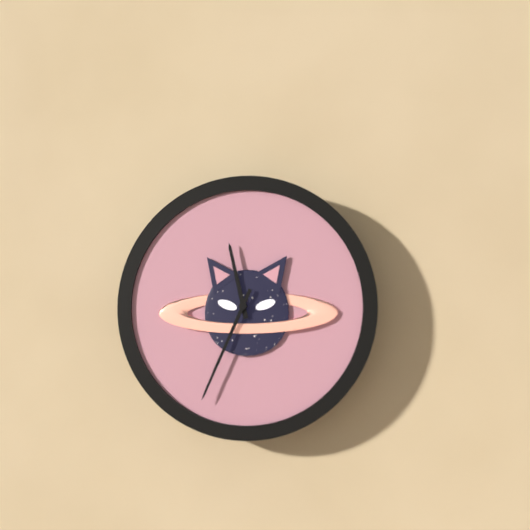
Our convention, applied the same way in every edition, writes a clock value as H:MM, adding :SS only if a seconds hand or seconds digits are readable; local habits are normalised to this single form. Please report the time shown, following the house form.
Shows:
11:34
